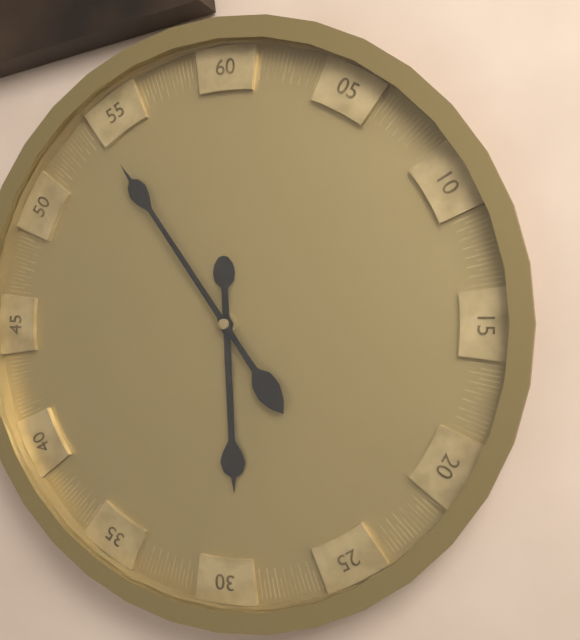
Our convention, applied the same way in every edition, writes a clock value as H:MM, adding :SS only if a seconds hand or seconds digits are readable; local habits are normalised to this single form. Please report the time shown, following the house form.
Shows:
5:54
